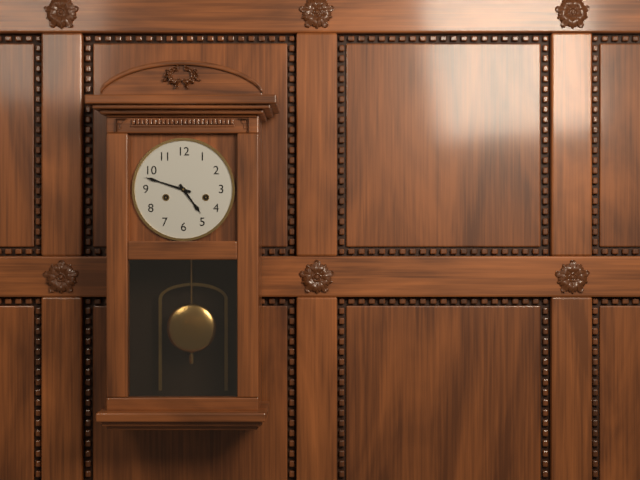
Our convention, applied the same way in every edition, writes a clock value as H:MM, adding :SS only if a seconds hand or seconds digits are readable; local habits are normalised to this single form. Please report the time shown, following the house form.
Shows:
4:48
